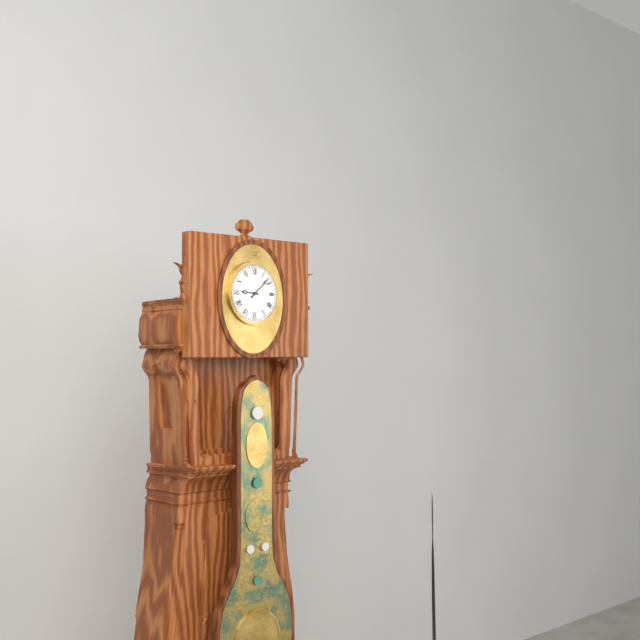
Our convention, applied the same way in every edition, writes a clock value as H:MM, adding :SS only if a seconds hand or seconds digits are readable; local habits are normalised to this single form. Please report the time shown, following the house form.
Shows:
9:08
